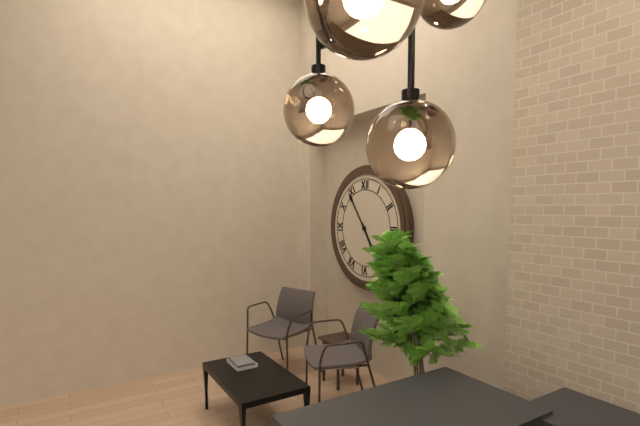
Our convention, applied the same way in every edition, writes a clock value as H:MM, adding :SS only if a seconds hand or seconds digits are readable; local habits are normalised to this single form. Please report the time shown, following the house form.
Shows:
4:54
